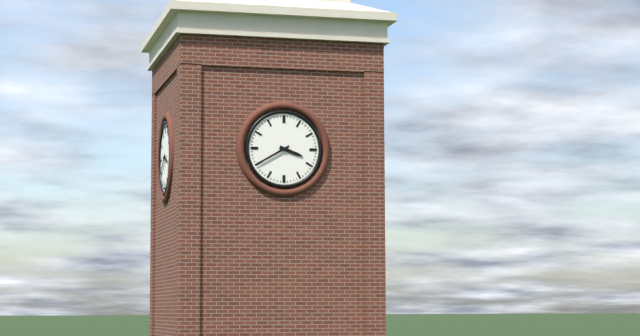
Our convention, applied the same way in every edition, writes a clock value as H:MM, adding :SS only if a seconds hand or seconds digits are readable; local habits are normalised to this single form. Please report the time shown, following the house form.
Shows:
3:40
